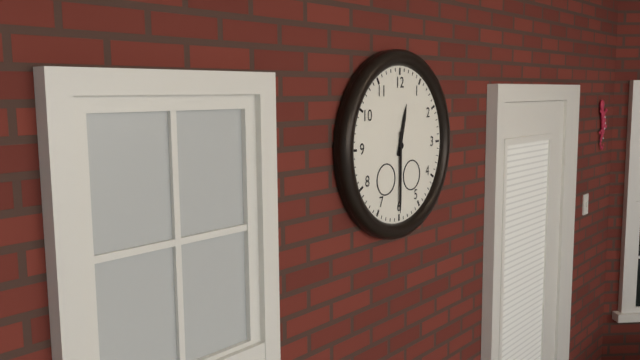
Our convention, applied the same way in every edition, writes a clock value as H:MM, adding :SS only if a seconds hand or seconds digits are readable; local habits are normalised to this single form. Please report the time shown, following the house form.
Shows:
12:30
